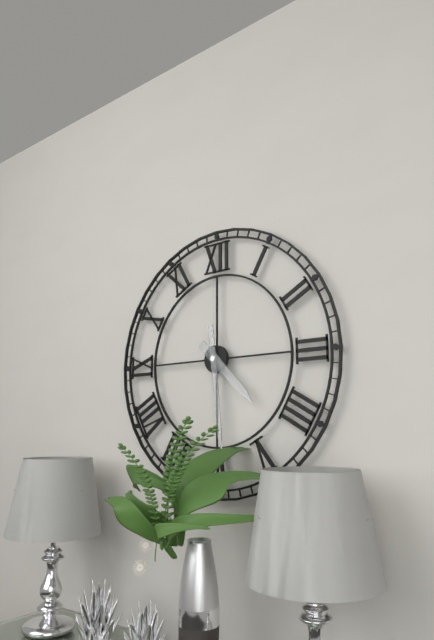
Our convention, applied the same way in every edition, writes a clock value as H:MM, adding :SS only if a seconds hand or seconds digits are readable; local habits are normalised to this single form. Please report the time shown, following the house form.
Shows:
4:29
